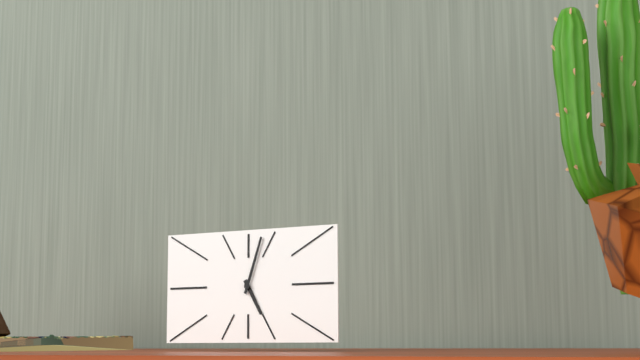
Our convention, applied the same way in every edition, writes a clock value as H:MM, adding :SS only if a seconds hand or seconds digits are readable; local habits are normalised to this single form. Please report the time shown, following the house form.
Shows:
5:03
